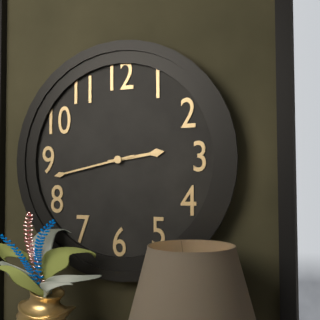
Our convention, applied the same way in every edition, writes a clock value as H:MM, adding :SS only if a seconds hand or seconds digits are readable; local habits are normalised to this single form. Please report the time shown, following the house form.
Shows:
2:43
